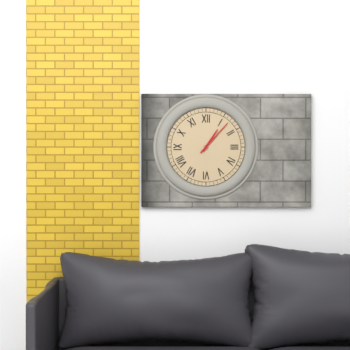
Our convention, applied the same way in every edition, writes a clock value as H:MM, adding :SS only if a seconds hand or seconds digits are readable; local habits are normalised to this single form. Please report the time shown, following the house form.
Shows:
1:07
